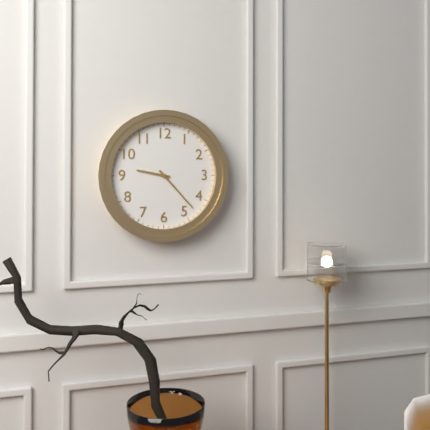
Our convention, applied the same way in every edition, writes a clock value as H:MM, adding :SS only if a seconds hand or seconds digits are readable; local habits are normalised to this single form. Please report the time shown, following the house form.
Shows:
9:23
